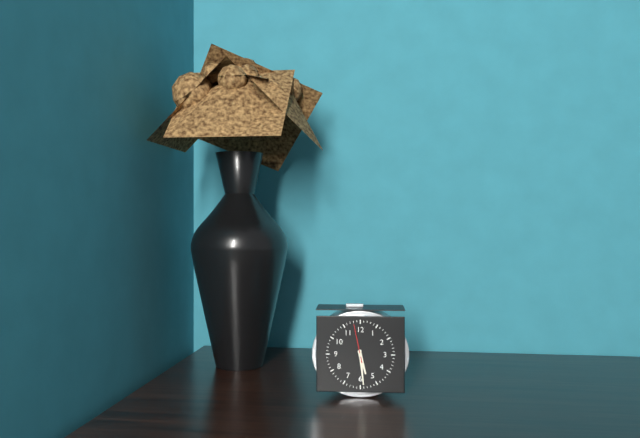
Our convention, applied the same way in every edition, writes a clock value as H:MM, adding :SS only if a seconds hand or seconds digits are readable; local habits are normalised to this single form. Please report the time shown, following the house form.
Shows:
5:29
